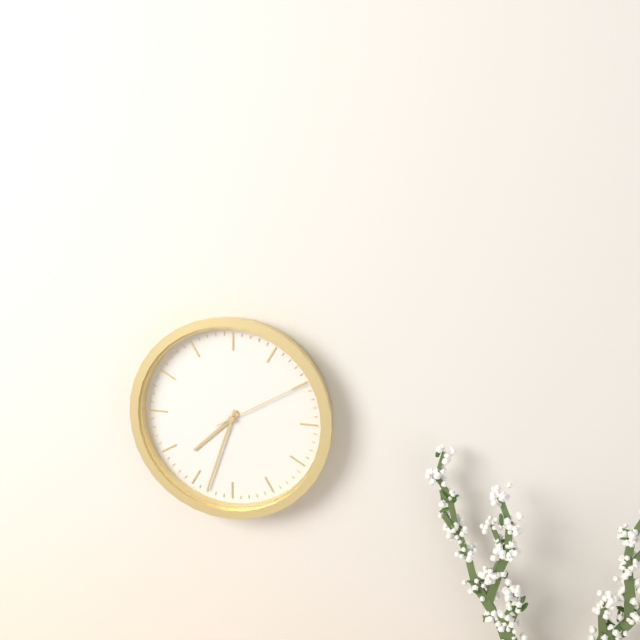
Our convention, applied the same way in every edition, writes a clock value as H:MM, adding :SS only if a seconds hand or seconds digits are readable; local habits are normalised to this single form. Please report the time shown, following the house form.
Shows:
7:33:10
